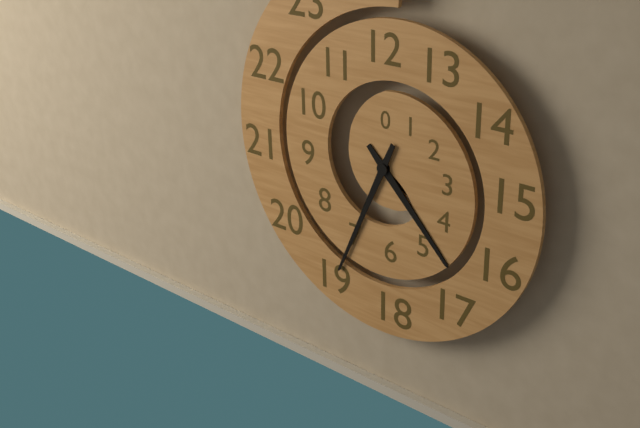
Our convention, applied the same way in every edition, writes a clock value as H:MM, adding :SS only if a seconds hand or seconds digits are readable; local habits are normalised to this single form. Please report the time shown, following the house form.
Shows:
4:34
